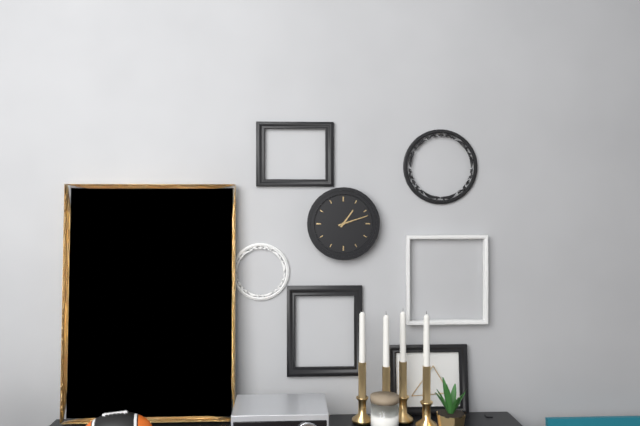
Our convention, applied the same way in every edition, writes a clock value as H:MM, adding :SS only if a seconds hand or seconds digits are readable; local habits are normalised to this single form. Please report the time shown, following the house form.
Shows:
1:12
